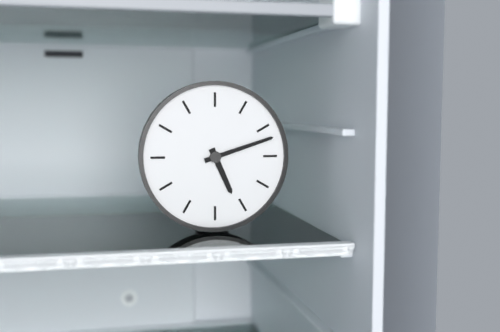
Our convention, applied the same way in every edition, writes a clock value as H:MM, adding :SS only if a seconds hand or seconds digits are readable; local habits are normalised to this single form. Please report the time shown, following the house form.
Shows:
5:12
